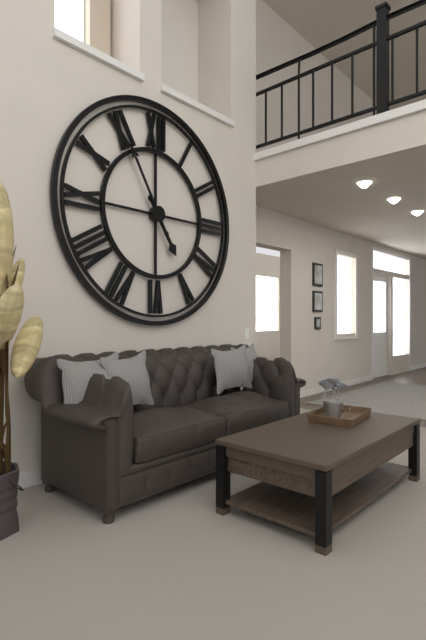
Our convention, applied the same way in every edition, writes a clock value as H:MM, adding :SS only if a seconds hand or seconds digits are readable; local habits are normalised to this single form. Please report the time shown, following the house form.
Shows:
4:55
